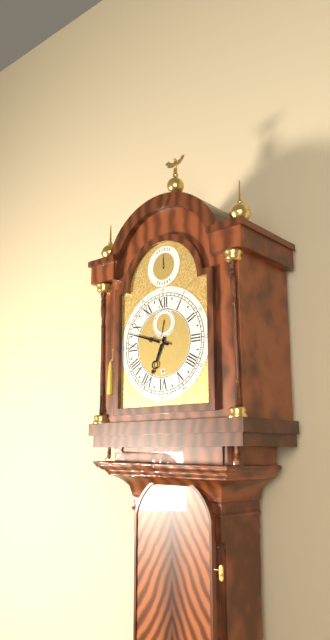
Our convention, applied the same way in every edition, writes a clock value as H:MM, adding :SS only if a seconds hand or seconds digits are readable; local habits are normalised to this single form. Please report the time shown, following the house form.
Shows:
6:48
